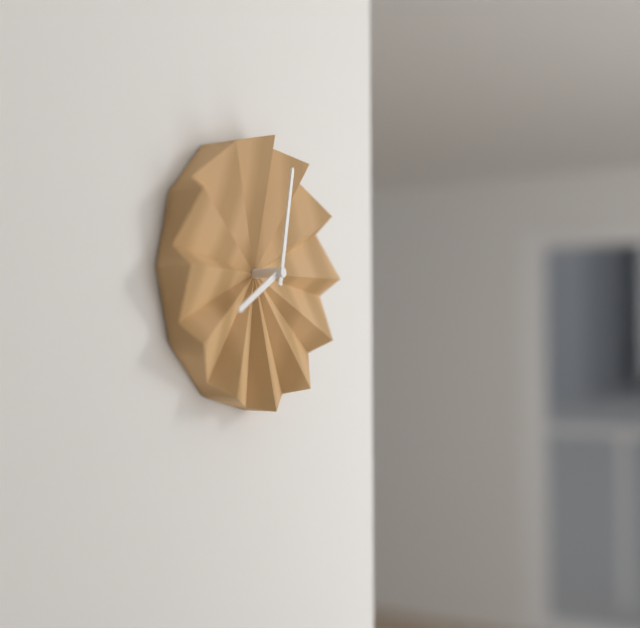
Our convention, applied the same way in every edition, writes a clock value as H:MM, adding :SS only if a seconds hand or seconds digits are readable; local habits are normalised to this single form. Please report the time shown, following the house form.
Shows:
8:02
